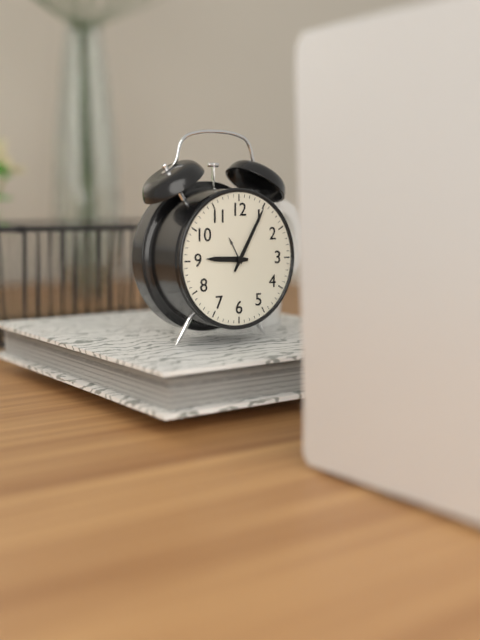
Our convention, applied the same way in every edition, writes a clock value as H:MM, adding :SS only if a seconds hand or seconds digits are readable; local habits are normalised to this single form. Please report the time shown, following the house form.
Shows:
9:05
